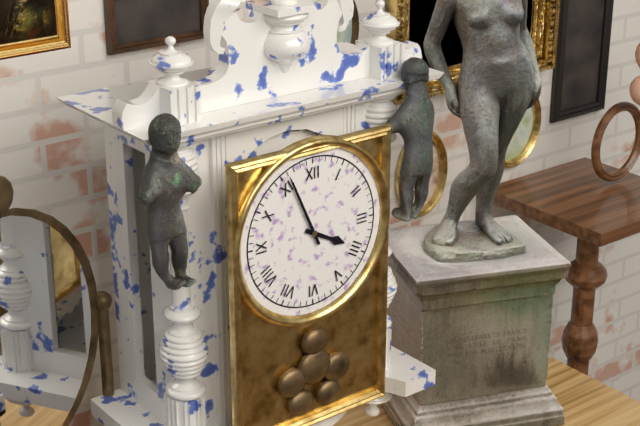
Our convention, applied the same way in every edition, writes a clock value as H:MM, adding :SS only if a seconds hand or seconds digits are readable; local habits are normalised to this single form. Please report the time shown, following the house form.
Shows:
3:56
